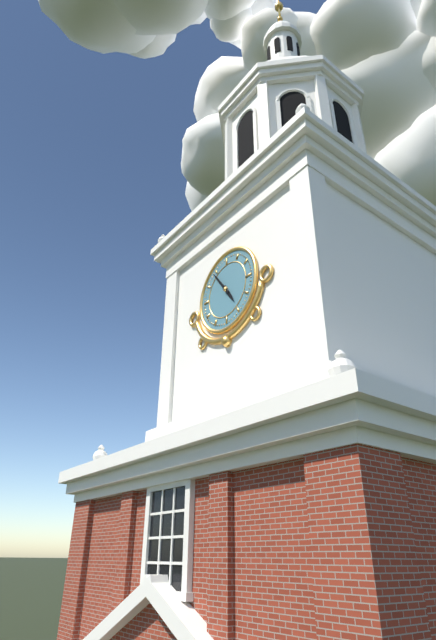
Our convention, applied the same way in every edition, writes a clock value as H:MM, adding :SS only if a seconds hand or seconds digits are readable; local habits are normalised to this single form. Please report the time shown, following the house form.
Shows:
4:54
